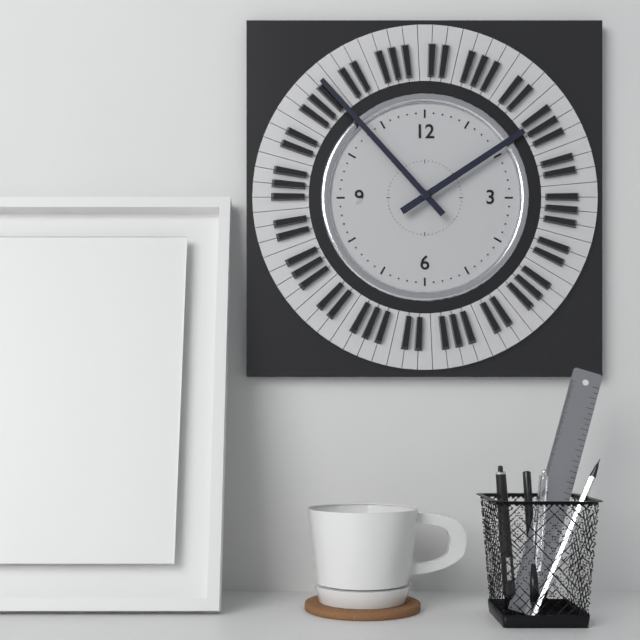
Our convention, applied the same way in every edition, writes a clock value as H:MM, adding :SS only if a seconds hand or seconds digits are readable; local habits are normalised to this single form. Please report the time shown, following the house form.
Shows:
1:53
